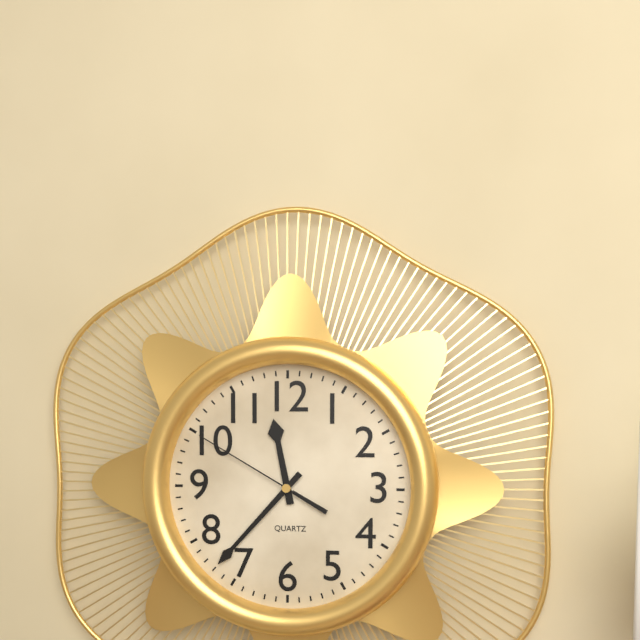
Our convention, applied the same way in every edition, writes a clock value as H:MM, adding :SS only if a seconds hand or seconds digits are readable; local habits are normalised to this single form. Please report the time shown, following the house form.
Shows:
11:37:50
